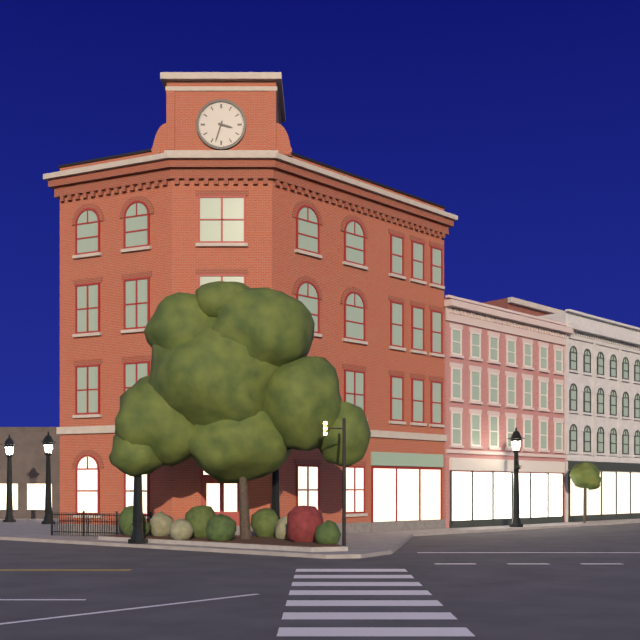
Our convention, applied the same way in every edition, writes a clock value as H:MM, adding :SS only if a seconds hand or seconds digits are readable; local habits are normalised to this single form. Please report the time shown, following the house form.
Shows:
3:33
